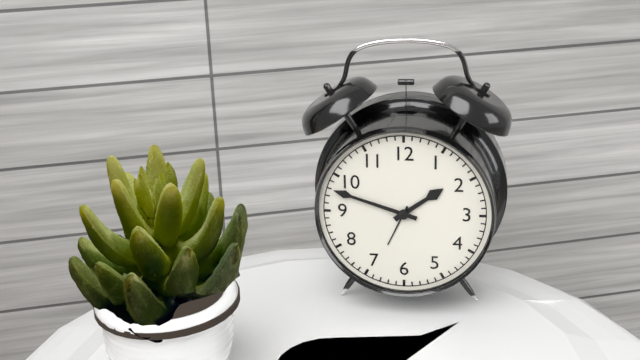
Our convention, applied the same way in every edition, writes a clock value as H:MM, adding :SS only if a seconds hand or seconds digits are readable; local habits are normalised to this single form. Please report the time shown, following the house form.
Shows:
1:48
